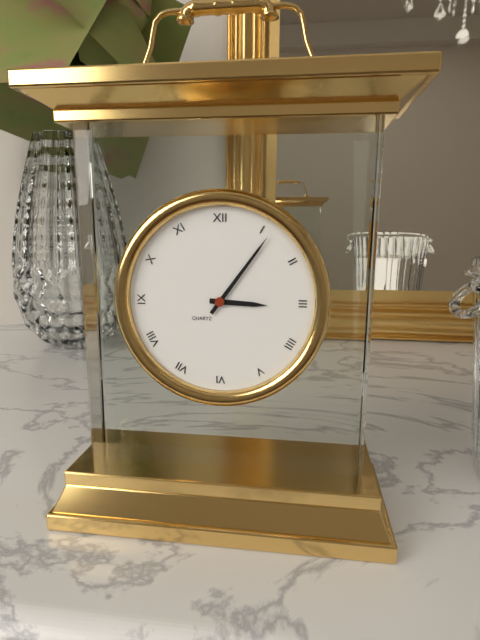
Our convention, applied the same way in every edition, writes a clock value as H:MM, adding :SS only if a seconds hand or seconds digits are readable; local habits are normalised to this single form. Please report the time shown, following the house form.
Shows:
3:06
